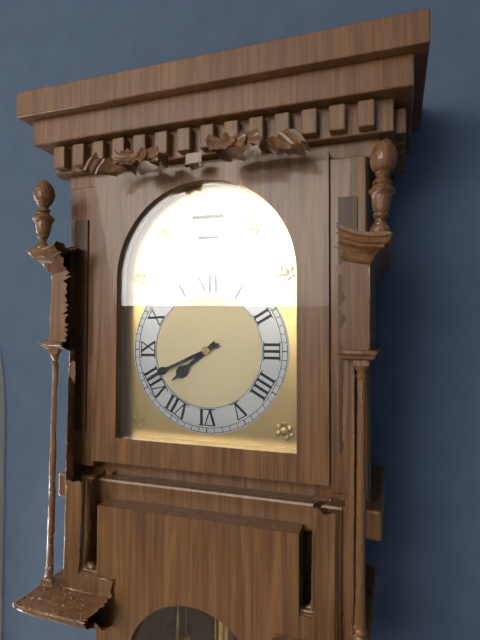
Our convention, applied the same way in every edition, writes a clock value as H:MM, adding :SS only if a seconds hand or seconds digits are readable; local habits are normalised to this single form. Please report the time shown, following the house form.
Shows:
7:41
